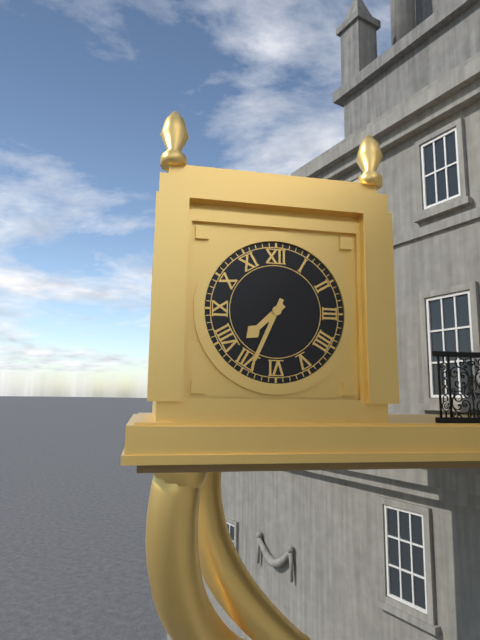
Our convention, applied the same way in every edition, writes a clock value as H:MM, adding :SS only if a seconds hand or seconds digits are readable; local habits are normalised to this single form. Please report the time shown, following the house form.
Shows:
7:34
